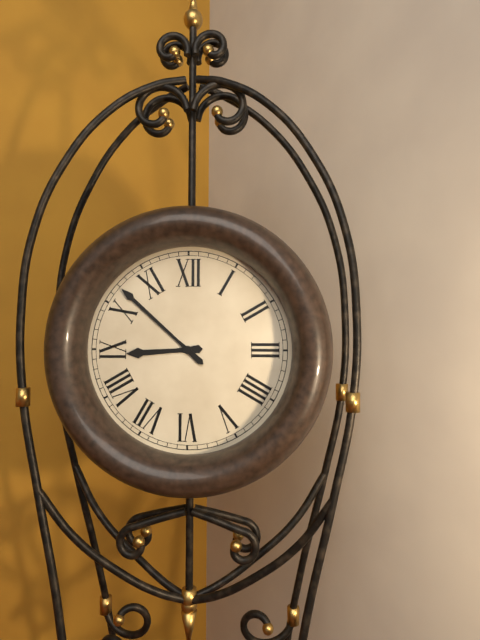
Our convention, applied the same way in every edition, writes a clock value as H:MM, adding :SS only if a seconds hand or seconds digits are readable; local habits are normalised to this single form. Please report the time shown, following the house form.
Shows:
8:52
